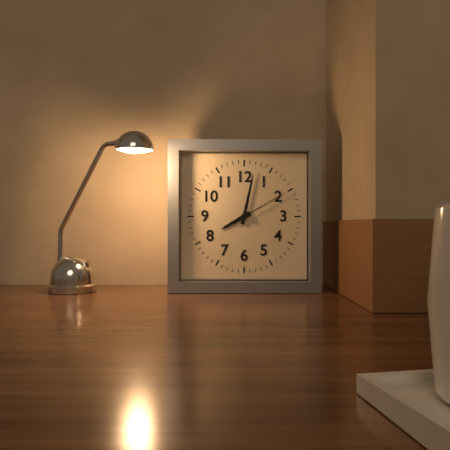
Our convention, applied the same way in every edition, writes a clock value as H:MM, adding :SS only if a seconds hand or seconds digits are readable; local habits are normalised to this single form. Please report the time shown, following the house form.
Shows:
8:02:10
